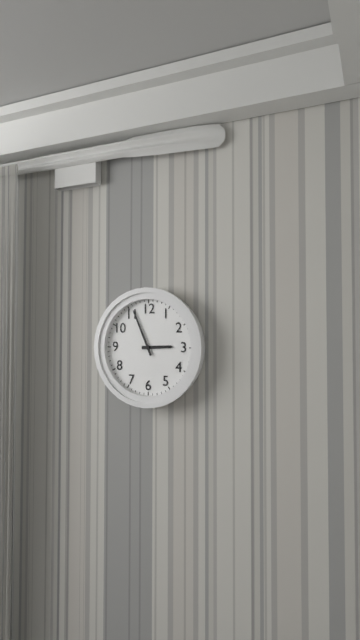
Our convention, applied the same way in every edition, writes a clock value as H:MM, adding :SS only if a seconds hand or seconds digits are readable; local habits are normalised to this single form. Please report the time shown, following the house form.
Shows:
2:56
